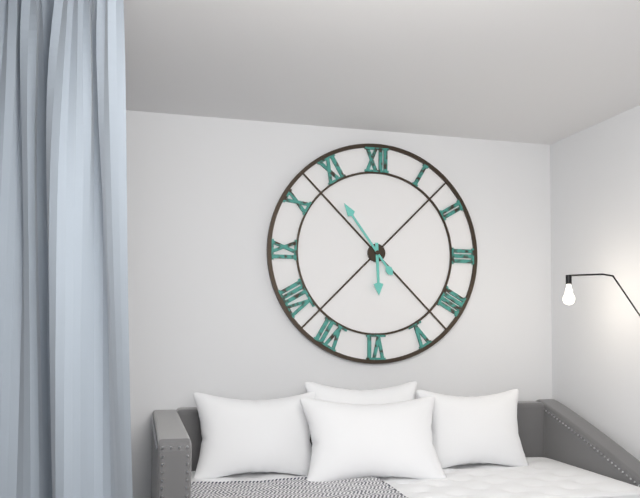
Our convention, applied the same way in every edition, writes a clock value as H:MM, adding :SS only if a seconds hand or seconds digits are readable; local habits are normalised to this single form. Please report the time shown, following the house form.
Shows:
5:54
